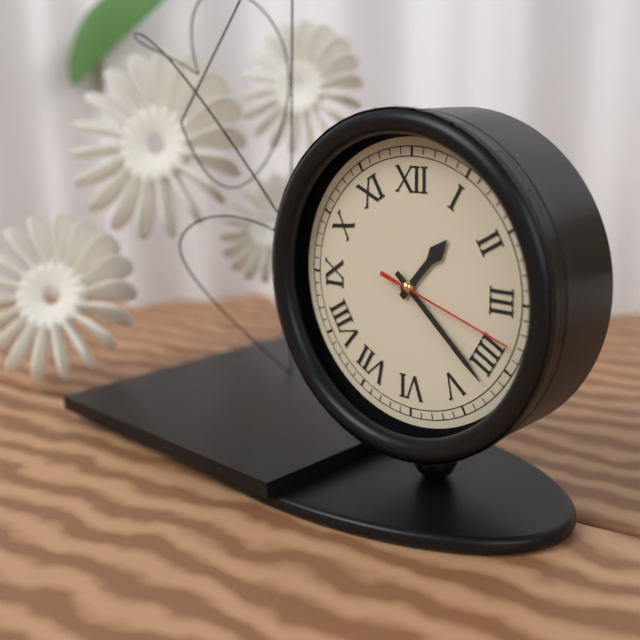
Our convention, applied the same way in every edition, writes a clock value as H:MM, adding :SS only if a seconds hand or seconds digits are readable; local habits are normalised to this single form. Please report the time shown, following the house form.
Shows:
1:22:18
